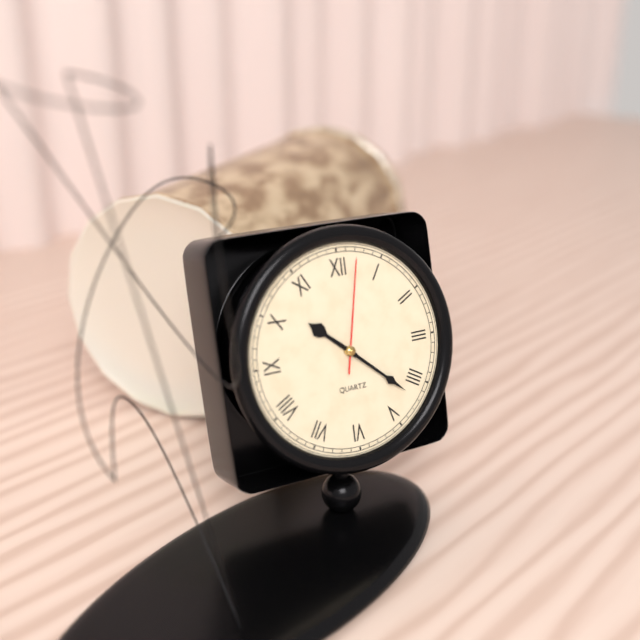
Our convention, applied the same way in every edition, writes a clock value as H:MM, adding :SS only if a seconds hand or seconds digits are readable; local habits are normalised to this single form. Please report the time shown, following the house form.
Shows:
10:22:02
